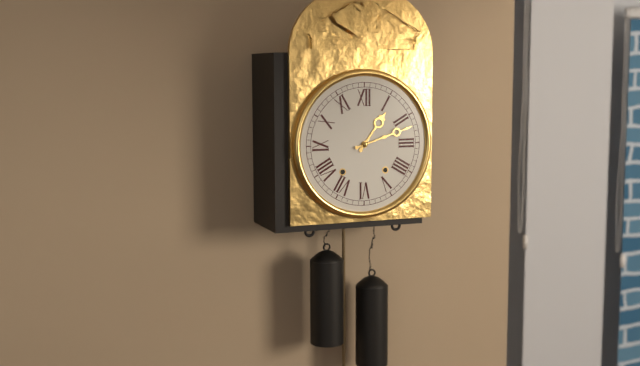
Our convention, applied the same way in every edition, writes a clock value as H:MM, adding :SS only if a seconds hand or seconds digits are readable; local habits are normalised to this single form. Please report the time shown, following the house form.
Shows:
1:12
